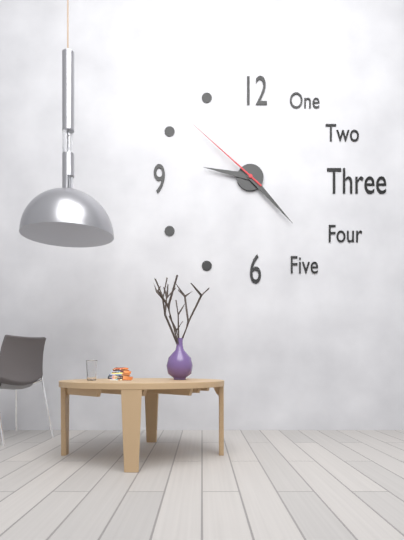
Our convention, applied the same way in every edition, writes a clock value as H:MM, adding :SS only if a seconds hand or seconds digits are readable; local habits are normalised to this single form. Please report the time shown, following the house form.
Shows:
9:23:52
